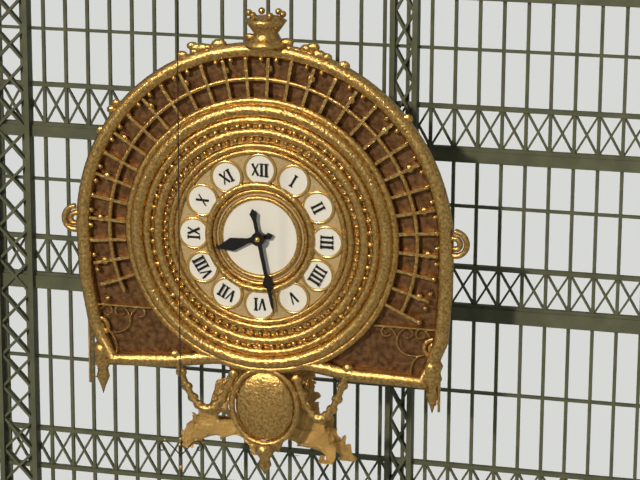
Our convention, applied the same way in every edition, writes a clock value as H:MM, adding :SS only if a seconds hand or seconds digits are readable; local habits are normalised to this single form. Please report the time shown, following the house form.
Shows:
8:28
